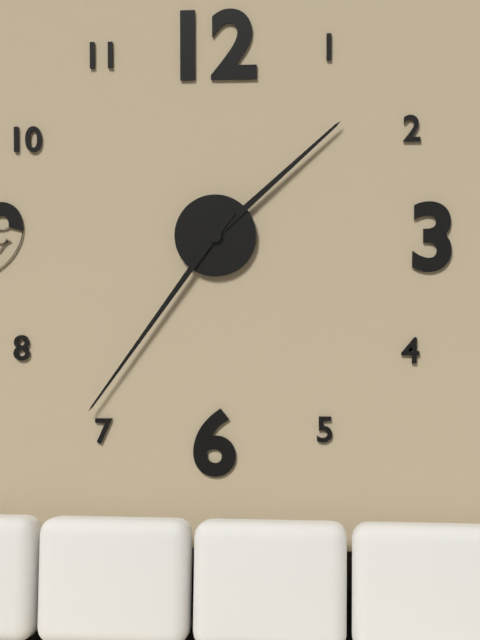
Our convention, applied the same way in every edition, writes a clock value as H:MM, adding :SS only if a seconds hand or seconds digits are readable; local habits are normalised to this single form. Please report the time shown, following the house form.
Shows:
1:36
